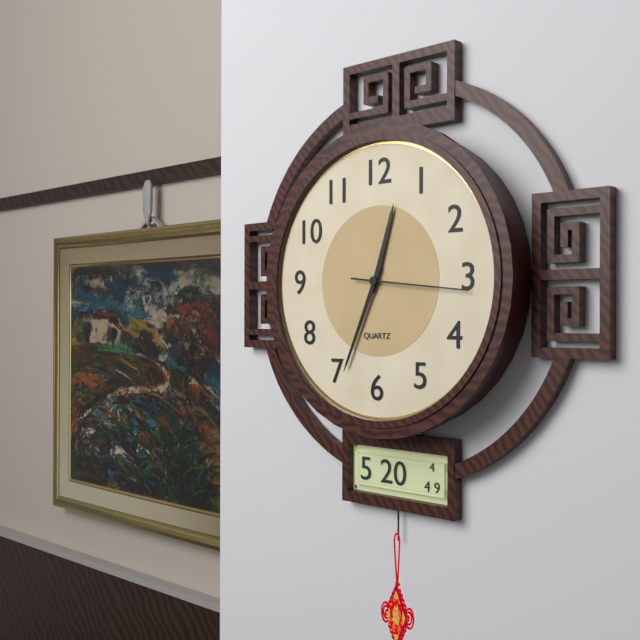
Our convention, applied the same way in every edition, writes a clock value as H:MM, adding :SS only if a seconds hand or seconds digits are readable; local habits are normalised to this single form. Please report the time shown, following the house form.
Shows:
12:34:16
